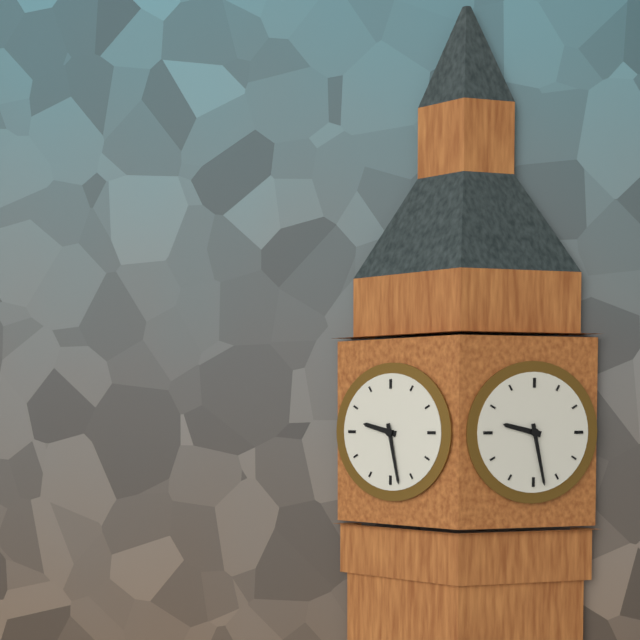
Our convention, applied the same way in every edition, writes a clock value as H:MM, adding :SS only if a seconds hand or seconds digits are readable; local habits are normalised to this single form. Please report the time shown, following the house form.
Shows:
9:28
